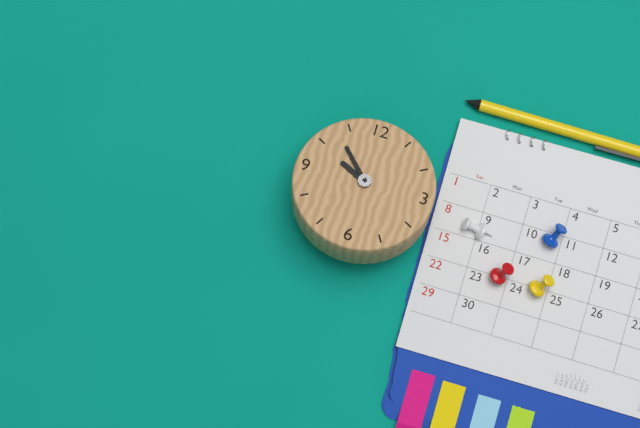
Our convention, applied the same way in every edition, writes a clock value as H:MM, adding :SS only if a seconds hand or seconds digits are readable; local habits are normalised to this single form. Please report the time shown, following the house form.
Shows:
9:53
